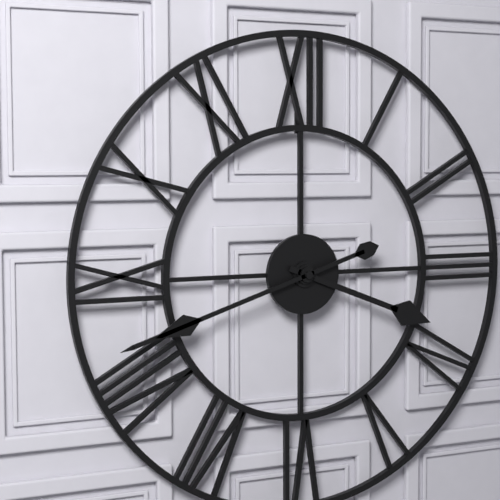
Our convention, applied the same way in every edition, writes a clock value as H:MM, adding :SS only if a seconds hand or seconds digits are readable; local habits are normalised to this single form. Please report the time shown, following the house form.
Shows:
3:42
